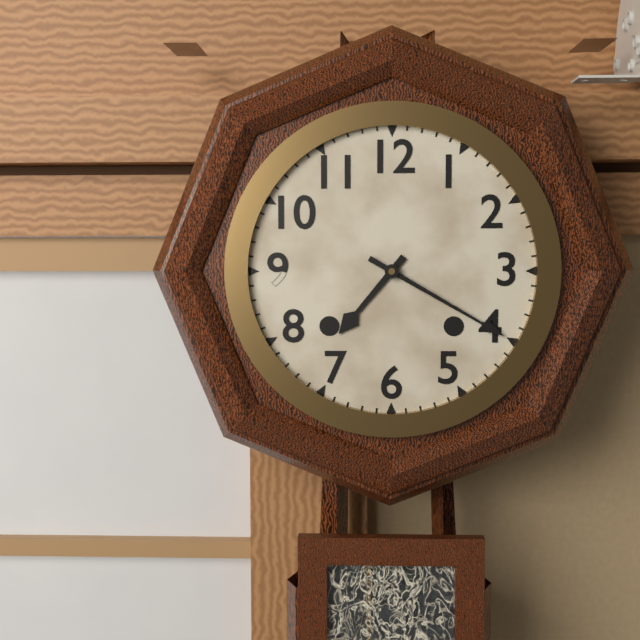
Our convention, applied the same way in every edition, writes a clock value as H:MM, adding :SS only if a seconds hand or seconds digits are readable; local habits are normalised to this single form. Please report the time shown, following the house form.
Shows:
7:20
